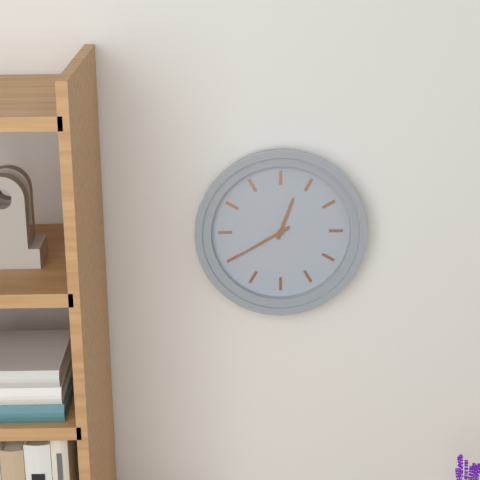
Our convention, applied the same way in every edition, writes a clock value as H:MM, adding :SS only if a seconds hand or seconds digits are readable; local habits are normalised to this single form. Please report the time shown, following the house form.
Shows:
12:40
